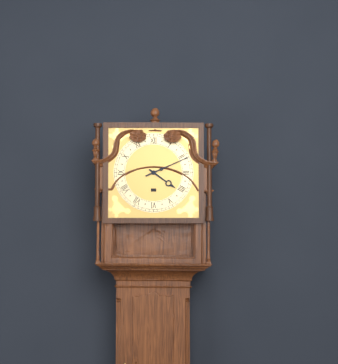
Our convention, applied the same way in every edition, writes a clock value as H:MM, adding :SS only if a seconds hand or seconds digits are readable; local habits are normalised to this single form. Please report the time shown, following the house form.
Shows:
4:11
